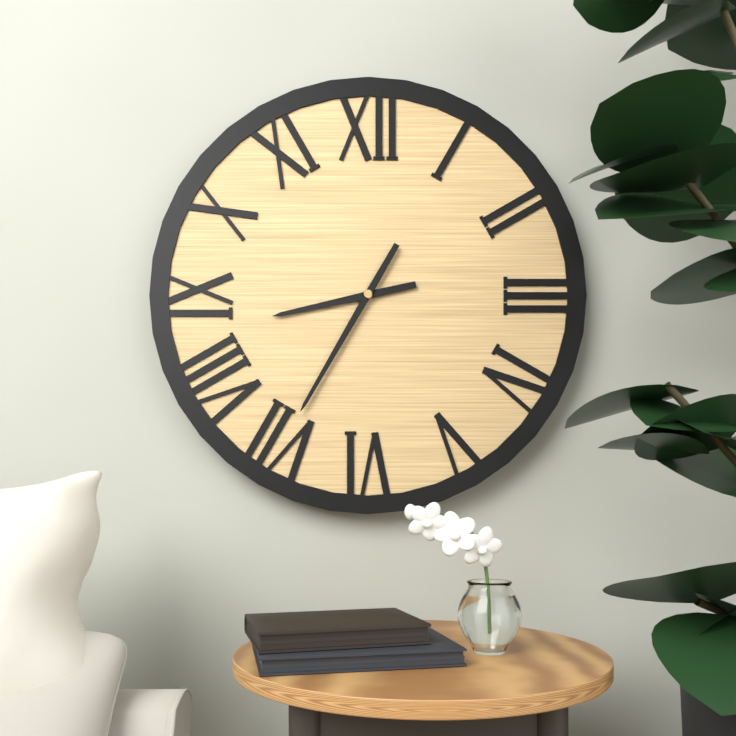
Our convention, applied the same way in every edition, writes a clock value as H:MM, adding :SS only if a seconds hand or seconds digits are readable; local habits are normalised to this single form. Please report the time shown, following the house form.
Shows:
8:35
